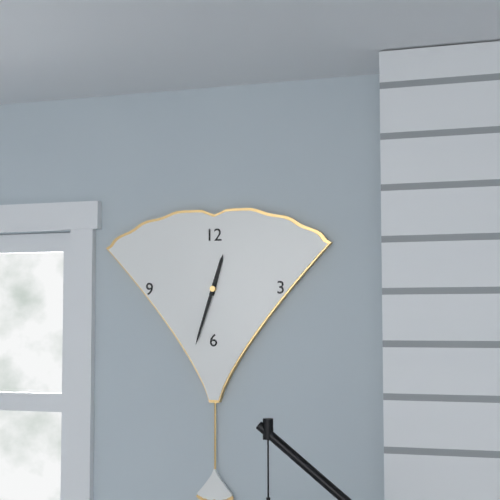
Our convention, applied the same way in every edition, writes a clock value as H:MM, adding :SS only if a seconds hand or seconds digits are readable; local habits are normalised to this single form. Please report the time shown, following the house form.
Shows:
12:33
